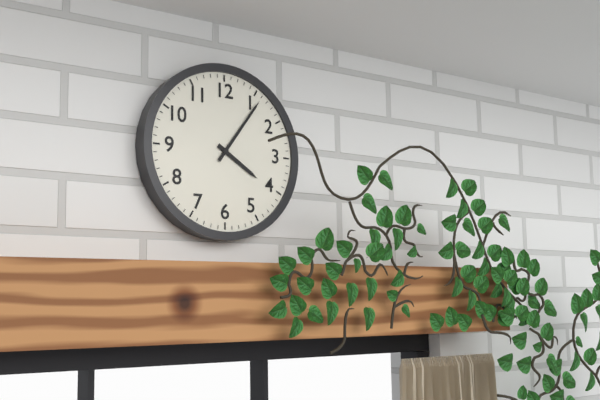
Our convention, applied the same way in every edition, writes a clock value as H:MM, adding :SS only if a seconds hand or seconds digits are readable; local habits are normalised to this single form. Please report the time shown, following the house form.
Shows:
4:06
